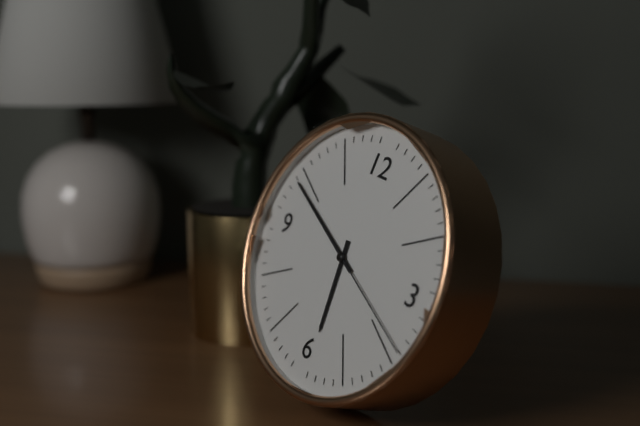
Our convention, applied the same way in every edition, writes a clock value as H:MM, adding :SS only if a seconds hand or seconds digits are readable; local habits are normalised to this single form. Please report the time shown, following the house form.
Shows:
5:49:19
